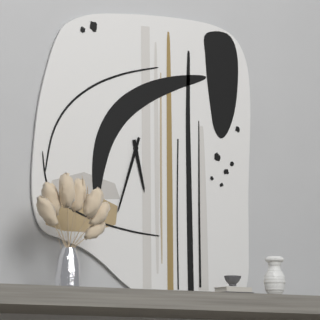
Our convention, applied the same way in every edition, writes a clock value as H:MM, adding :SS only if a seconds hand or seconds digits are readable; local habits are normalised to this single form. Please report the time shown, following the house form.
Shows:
5:33
